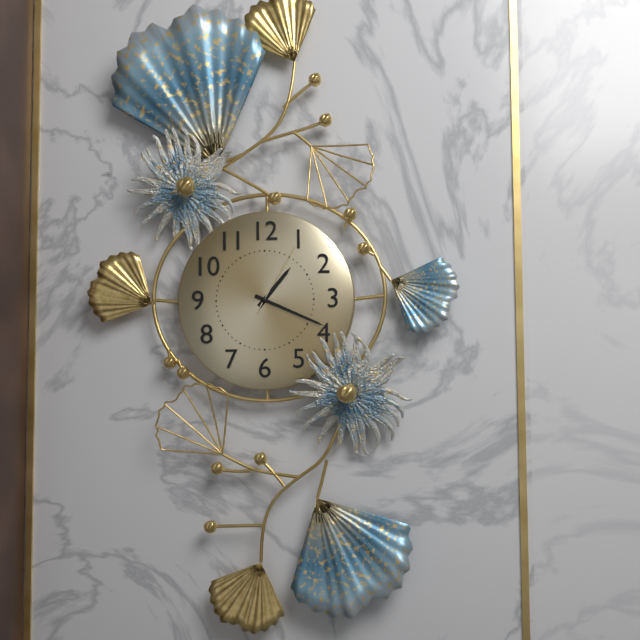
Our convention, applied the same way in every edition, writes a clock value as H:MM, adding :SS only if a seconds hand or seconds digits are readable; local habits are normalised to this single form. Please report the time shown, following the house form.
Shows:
1:19:05
